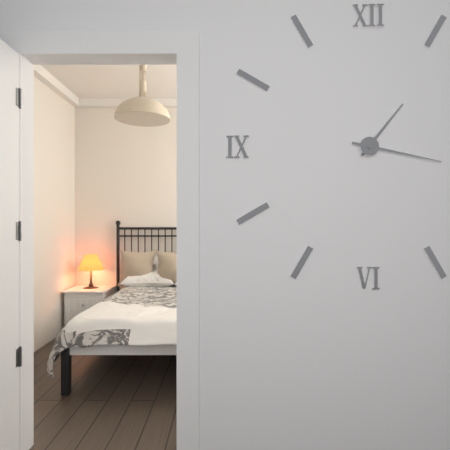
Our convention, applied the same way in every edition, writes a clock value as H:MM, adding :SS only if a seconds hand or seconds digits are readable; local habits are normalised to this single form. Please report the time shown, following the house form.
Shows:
1:17
